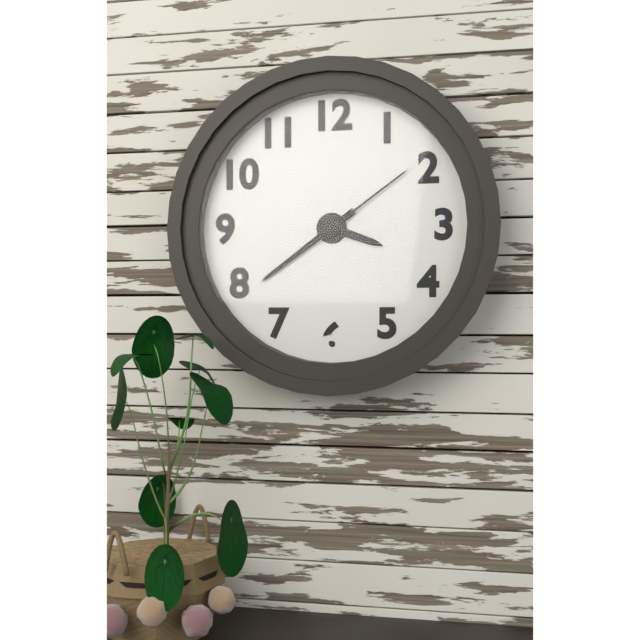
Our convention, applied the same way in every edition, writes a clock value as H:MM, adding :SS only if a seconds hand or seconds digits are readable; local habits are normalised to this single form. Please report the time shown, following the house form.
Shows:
3:39:09
